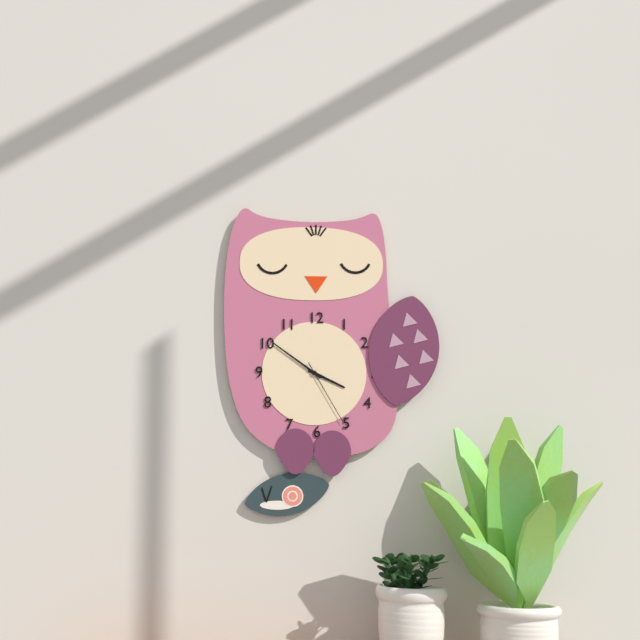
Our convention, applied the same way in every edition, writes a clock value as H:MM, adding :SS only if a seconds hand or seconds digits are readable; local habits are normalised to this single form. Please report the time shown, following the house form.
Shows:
3:51:25
